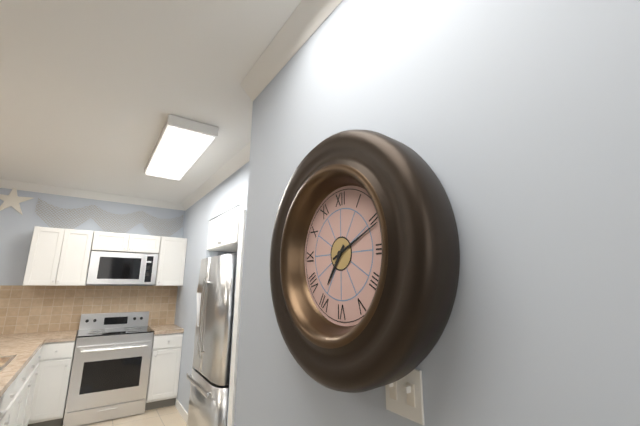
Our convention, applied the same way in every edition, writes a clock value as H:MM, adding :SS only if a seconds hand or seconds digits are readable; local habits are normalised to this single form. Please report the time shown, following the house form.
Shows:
7:11
